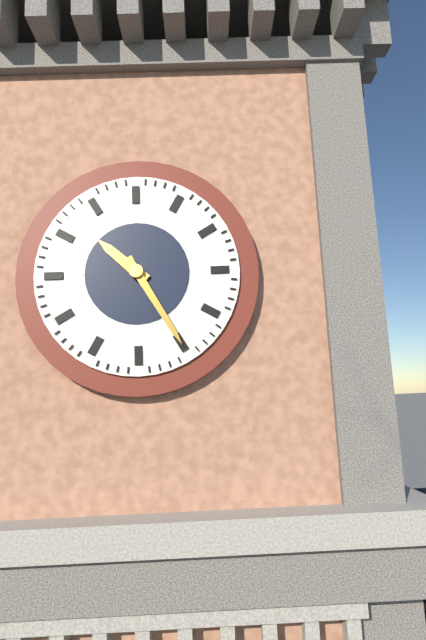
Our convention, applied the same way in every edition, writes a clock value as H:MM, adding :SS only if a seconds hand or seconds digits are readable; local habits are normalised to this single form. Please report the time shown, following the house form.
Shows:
10:25
